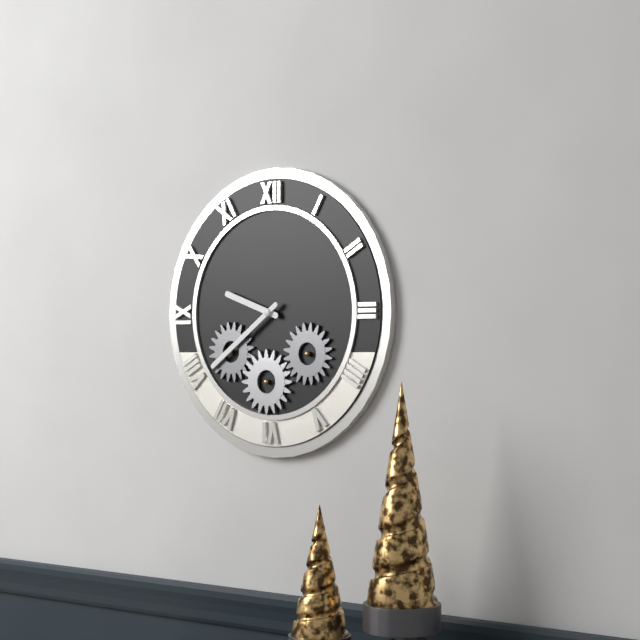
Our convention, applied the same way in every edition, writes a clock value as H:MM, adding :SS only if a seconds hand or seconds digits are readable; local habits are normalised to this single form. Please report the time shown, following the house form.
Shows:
9:39
